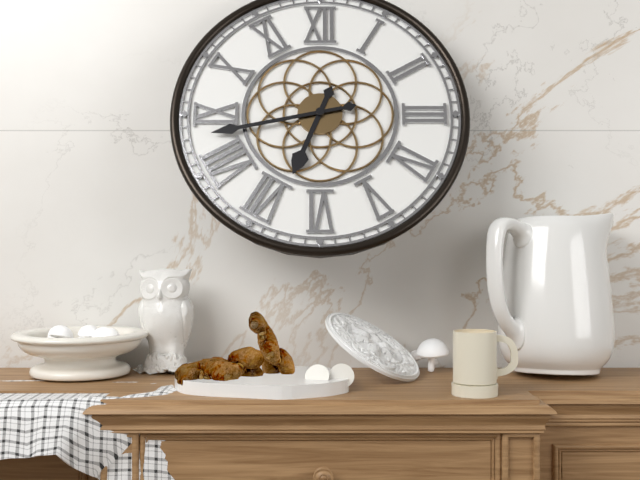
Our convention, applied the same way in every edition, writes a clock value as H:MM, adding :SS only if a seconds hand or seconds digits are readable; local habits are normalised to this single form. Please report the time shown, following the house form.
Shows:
6:43
